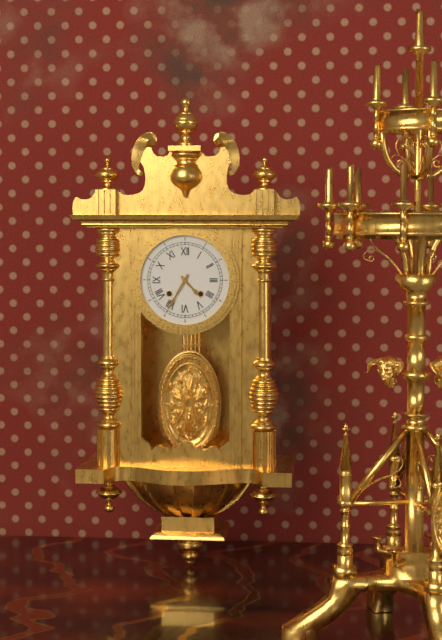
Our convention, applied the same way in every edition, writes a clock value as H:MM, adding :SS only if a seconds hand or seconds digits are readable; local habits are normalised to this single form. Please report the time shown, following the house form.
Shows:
4:35
